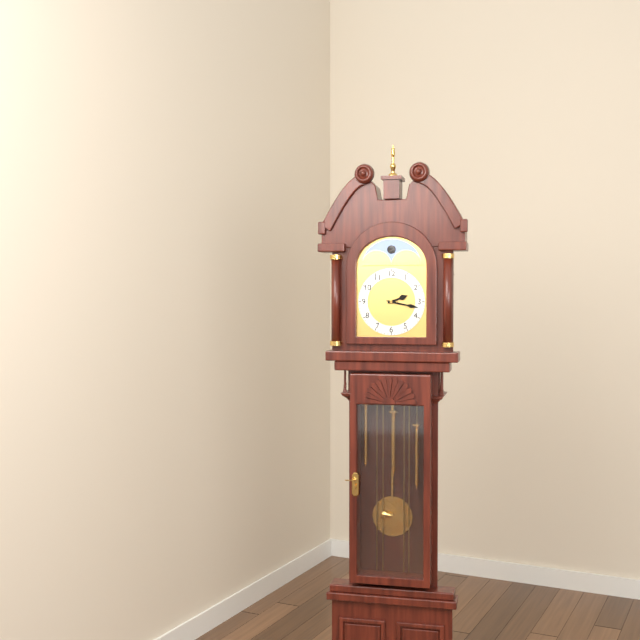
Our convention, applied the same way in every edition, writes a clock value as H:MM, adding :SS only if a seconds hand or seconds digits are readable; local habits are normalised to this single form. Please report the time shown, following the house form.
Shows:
2:17
